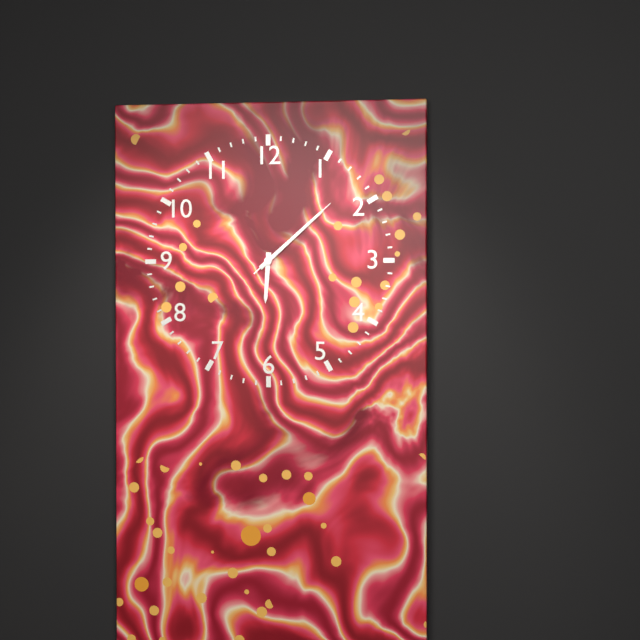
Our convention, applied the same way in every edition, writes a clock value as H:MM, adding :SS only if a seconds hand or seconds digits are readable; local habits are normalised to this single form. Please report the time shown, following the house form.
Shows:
6:08:08
